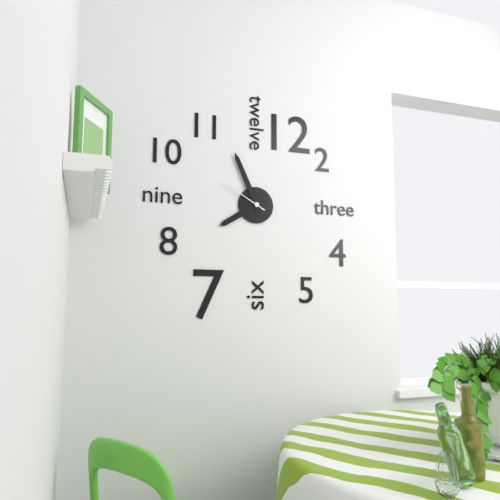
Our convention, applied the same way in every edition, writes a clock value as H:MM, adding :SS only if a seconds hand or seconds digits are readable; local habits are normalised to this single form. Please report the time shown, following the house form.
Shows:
7:56:50
